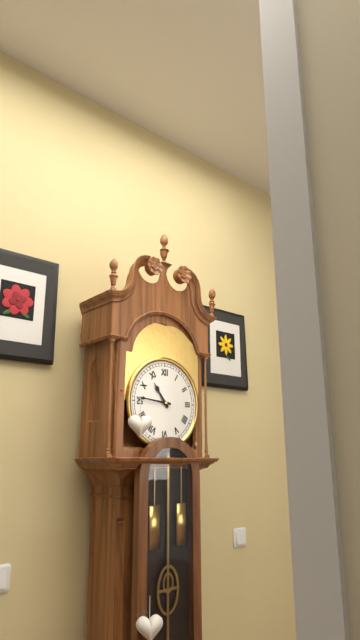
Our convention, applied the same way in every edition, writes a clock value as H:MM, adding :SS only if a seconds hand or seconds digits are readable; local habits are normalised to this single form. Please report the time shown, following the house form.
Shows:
10:46
